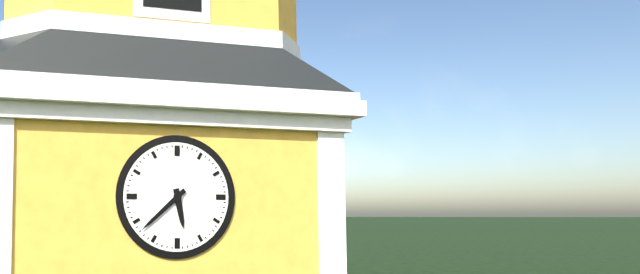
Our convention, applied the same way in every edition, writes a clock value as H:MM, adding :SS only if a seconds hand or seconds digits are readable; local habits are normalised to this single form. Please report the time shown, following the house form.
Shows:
5:38
